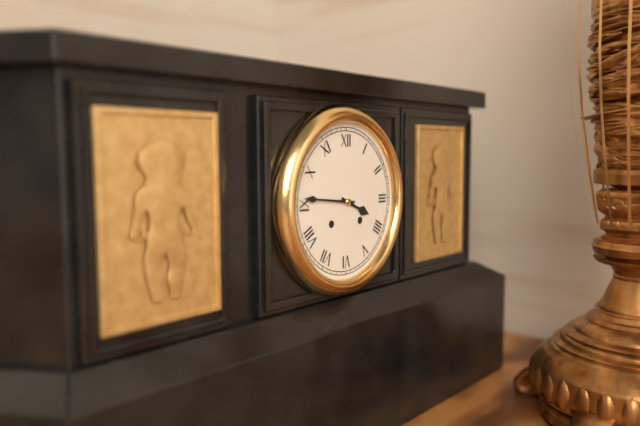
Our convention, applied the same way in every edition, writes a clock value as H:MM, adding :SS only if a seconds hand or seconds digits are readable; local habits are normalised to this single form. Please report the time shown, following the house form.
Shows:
3:46
